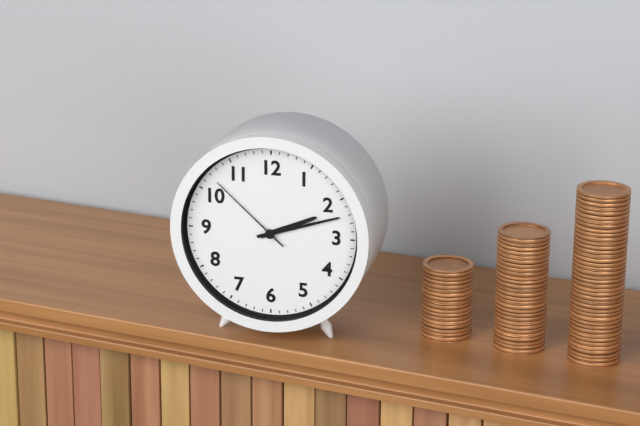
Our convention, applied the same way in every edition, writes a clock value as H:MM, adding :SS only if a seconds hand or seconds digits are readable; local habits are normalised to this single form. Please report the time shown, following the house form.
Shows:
2:12:52
